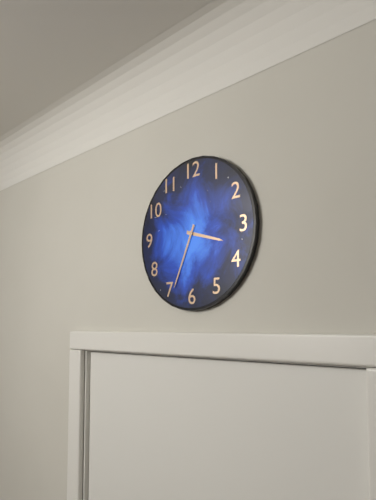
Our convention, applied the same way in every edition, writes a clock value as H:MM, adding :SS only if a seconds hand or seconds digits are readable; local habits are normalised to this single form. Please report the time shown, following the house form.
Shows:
3:34
